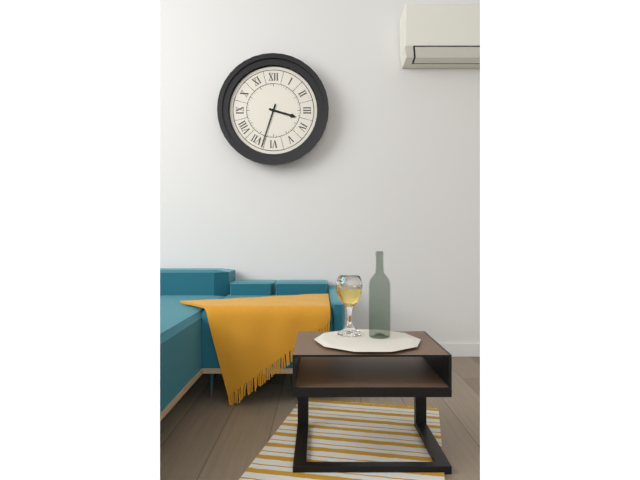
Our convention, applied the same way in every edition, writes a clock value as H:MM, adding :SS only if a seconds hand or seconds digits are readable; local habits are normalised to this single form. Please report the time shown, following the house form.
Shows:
3:33
